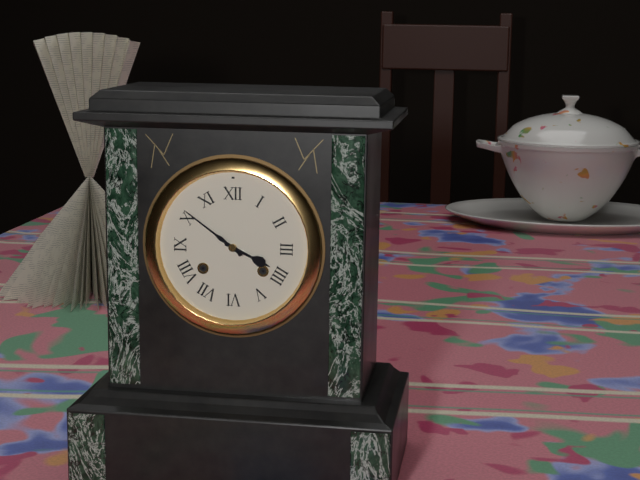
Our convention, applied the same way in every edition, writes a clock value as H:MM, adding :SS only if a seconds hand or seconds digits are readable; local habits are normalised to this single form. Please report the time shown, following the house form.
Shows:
3:51
